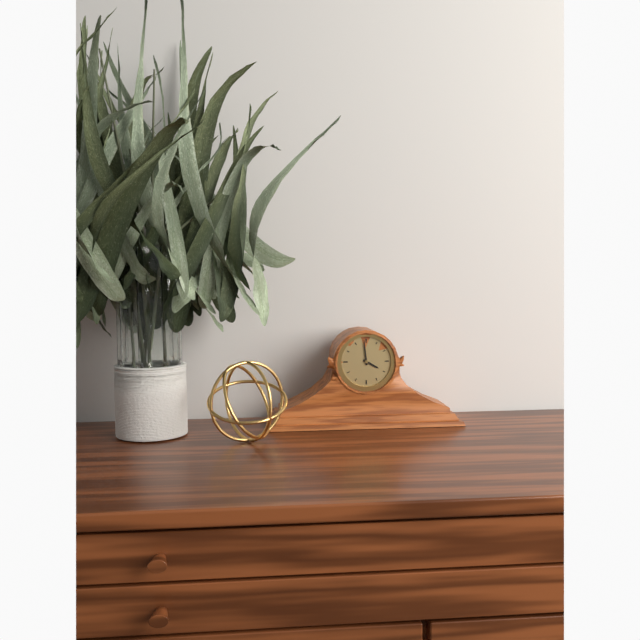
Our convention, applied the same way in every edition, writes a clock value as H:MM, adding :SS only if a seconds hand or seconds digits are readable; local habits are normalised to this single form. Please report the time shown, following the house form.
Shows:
3:59
